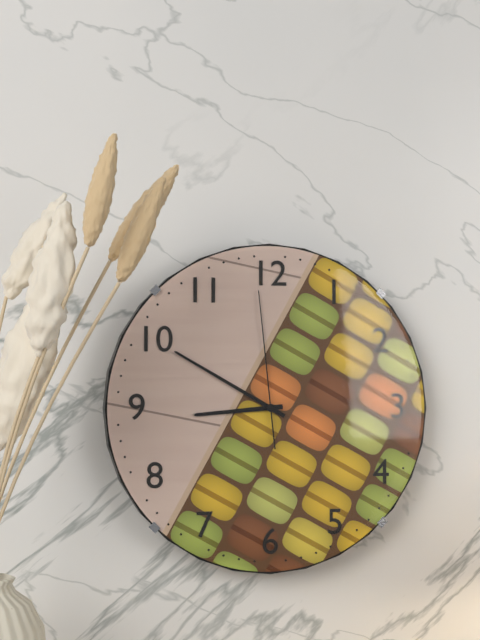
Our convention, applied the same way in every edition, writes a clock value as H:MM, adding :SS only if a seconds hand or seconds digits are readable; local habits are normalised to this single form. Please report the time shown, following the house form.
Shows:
8:50:59
